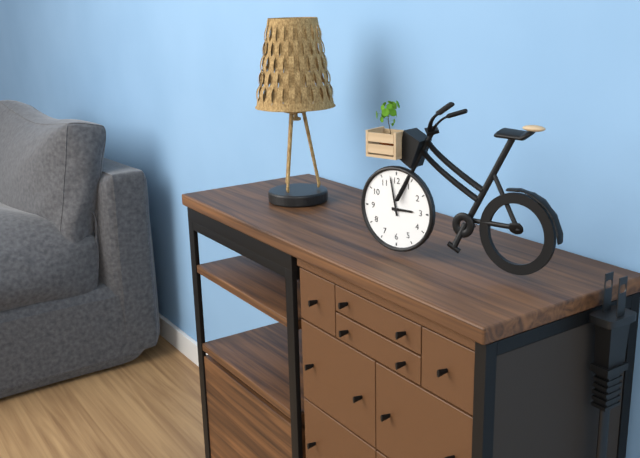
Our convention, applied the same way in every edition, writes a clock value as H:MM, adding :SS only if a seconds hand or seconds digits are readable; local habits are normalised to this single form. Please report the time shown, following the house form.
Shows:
2:58
